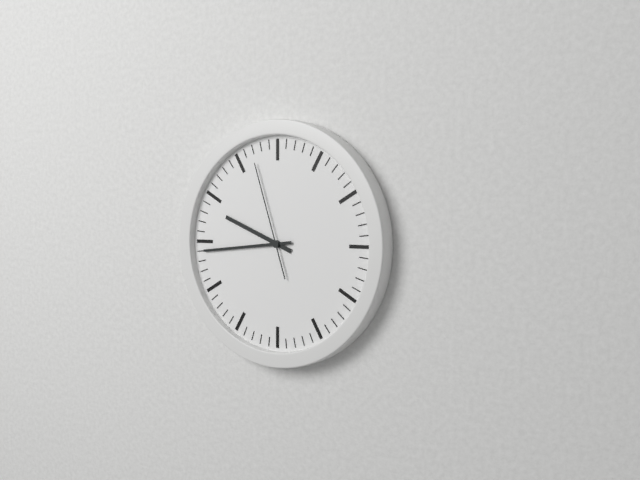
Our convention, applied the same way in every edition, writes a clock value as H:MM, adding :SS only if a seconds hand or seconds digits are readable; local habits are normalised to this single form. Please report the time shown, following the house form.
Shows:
9:44:57
